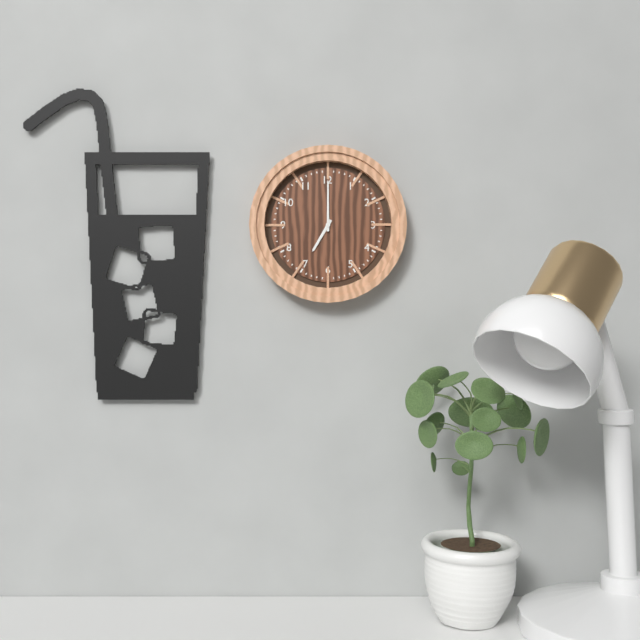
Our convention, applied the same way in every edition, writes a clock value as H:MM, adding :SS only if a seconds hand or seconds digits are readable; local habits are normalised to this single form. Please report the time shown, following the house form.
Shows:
7:00
